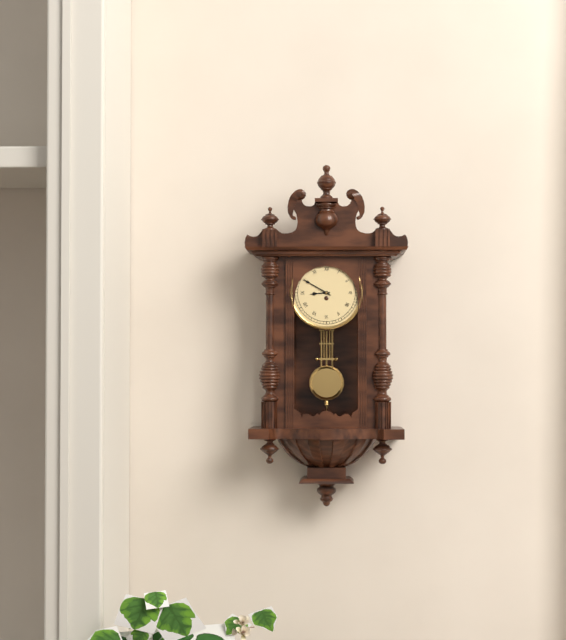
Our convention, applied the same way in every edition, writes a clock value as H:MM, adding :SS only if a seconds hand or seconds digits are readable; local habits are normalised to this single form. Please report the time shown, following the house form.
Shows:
8:50
